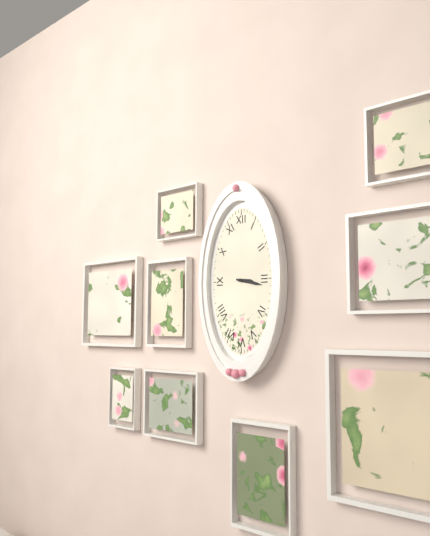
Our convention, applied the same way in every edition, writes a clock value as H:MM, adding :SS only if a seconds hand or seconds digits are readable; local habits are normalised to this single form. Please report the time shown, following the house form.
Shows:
3:17
